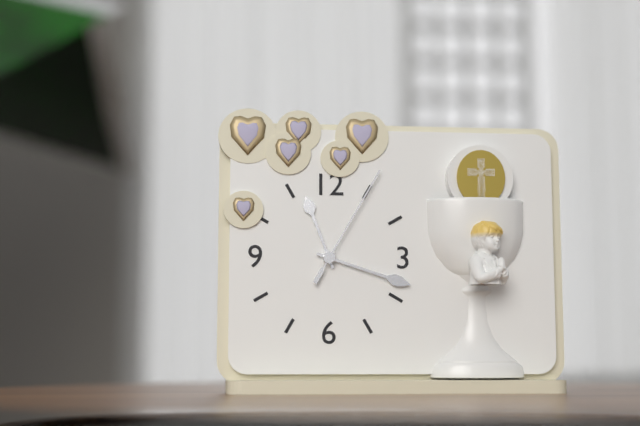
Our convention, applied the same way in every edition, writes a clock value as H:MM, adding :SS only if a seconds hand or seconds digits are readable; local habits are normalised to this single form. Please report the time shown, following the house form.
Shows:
11:18:05
